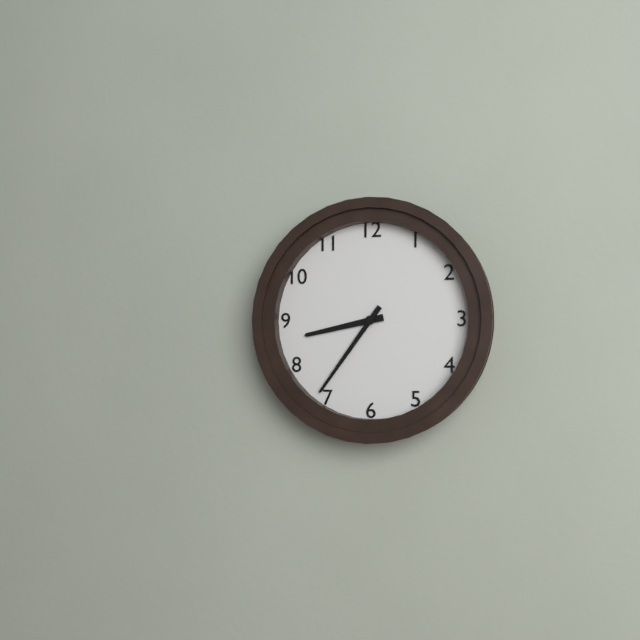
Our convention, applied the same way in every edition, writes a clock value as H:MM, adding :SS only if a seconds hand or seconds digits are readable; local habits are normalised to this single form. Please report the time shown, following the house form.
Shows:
8:36
